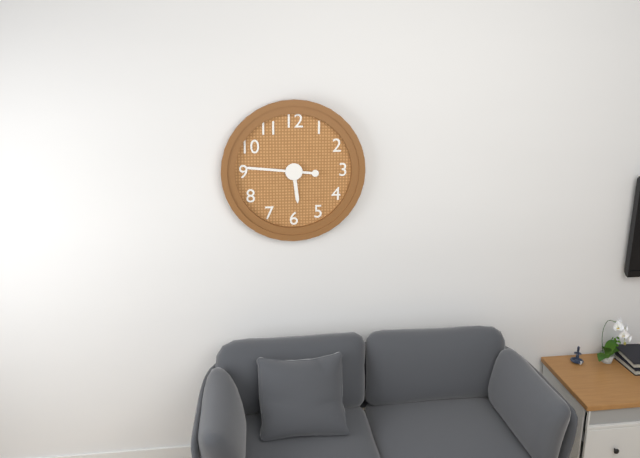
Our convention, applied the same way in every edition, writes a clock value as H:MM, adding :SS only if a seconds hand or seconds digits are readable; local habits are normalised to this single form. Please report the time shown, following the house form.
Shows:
5:46
